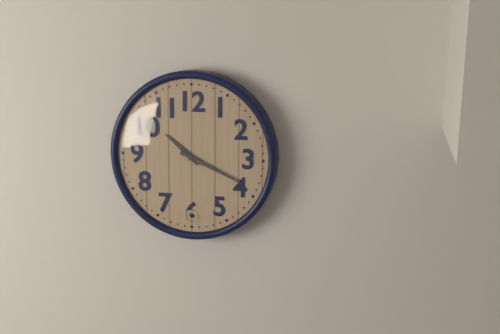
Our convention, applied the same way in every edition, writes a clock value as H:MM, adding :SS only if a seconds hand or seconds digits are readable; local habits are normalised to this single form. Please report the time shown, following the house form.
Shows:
10:19
